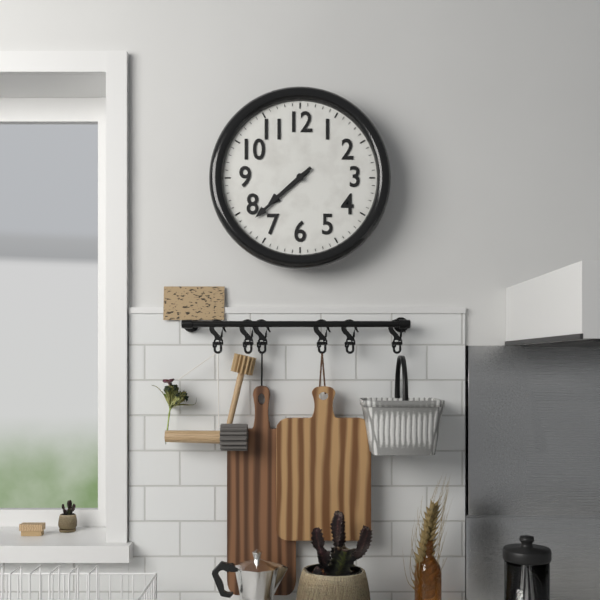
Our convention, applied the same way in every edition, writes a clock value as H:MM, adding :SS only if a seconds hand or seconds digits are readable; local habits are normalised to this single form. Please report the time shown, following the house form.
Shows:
7:38
